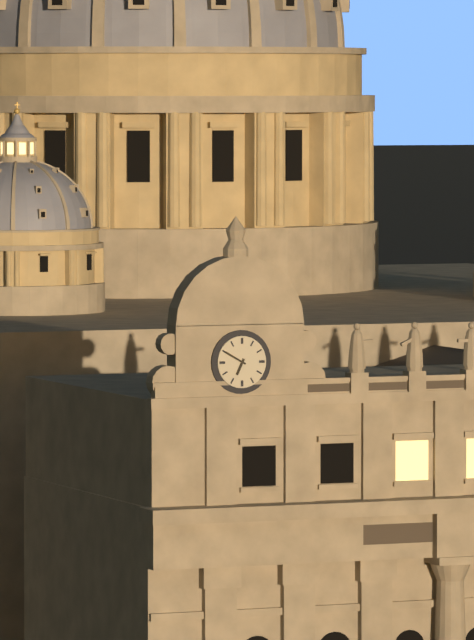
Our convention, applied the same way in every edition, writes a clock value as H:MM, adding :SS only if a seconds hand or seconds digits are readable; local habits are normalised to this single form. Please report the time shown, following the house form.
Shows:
6:50
